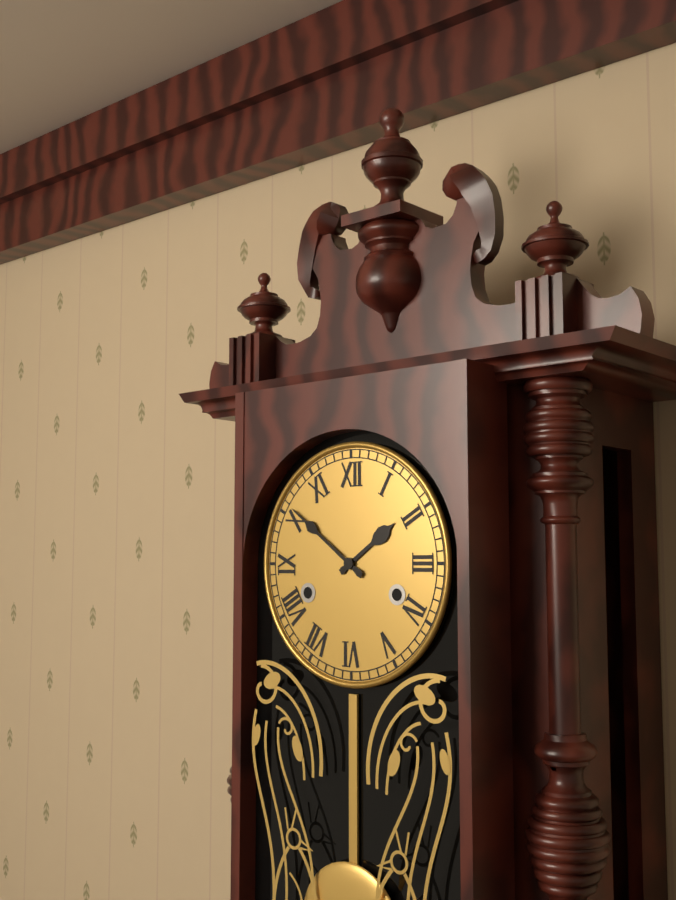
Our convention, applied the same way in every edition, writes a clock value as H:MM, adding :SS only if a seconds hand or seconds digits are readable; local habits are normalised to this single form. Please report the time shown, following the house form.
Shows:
1:51
